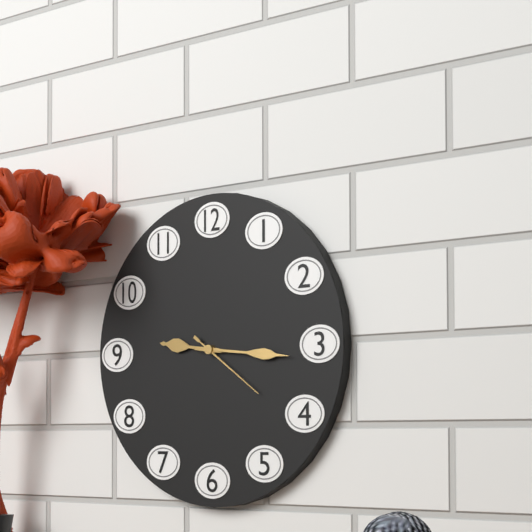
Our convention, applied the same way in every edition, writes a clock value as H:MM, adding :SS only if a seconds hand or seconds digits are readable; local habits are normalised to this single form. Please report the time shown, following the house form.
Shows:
9:16:21
